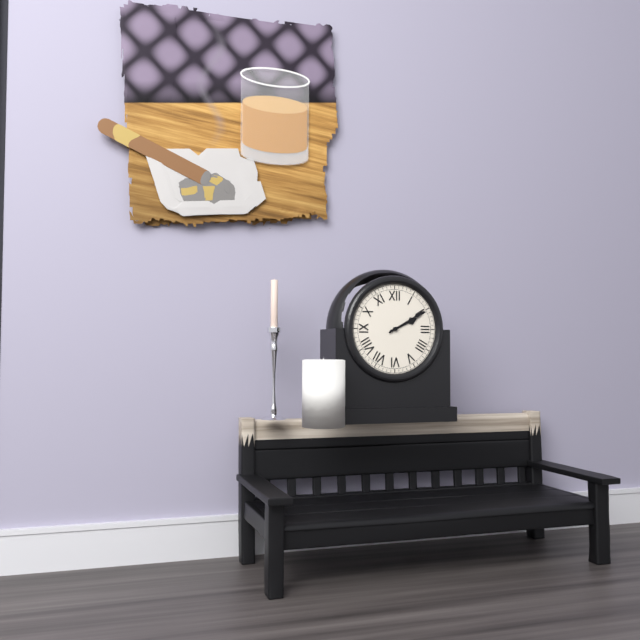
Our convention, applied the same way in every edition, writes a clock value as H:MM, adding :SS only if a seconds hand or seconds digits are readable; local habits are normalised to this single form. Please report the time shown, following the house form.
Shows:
2:10
